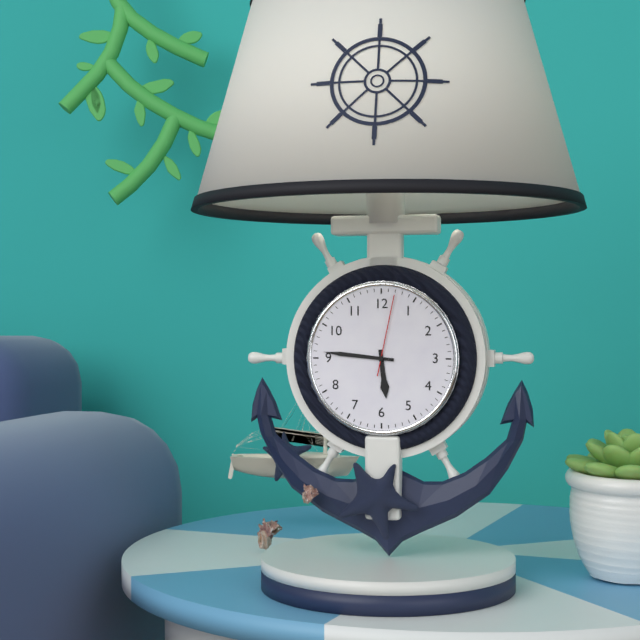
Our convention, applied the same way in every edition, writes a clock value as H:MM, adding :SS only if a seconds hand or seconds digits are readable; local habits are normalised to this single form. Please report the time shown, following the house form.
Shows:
5:46:02
